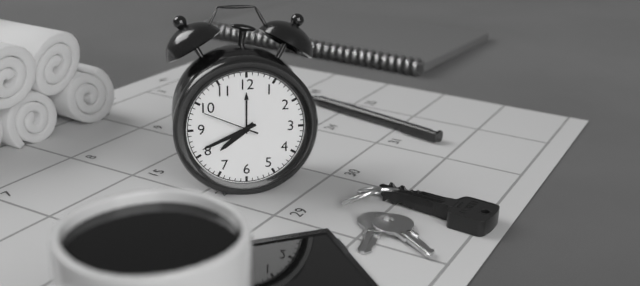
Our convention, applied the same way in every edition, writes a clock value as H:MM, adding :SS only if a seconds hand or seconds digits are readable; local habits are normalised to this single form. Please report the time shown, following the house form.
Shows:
7:41:49
